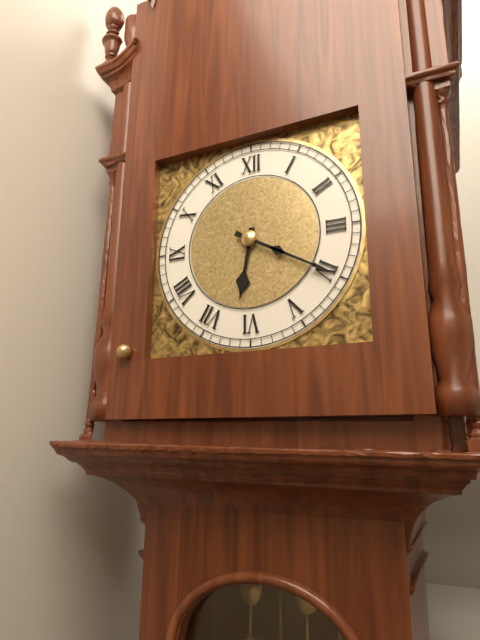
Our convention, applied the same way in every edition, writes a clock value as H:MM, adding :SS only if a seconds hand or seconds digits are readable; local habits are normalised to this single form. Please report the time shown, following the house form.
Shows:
6:20
